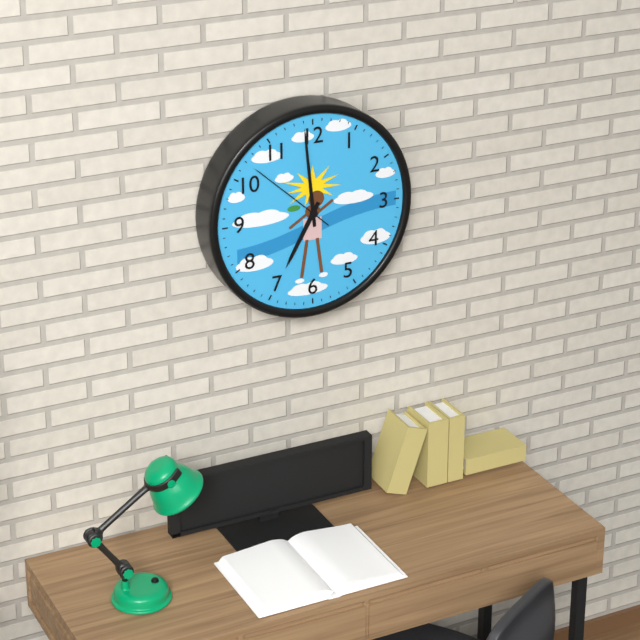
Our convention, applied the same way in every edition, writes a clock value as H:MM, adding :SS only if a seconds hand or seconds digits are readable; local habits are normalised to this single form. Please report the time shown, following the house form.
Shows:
6:59:52
